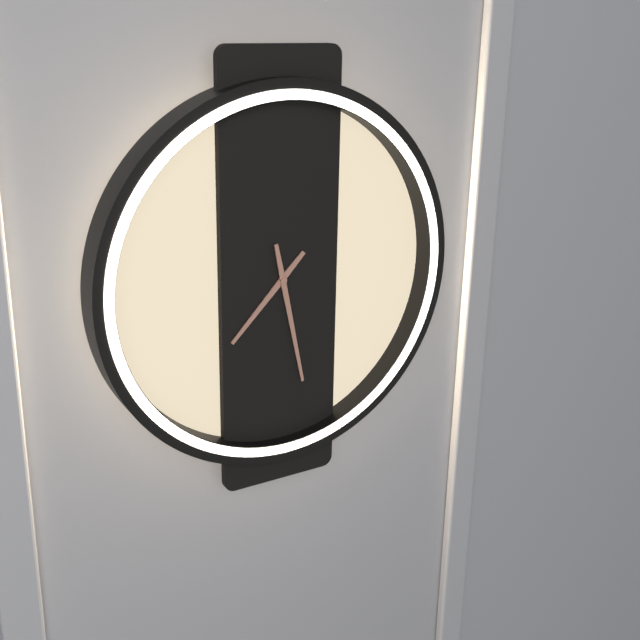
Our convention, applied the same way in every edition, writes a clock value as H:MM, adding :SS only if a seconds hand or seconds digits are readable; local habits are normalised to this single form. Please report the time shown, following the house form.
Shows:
7:28
